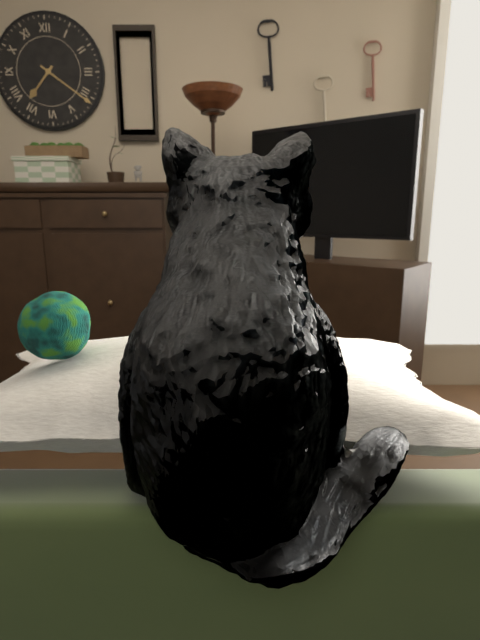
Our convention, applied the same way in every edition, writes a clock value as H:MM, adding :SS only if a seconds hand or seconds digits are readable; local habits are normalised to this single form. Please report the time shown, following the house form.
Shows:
7:21
